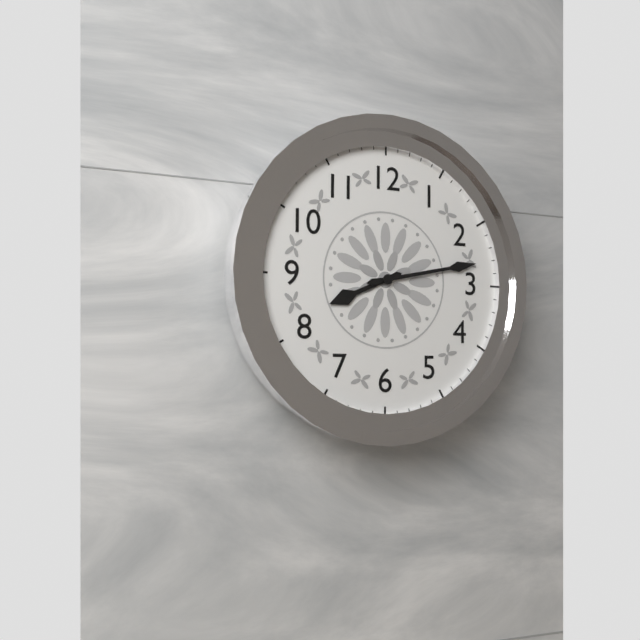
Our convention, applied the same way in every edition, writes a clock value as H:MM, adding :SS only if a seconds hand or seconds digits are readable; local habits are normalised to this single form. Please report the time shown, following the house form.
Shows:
8:13
